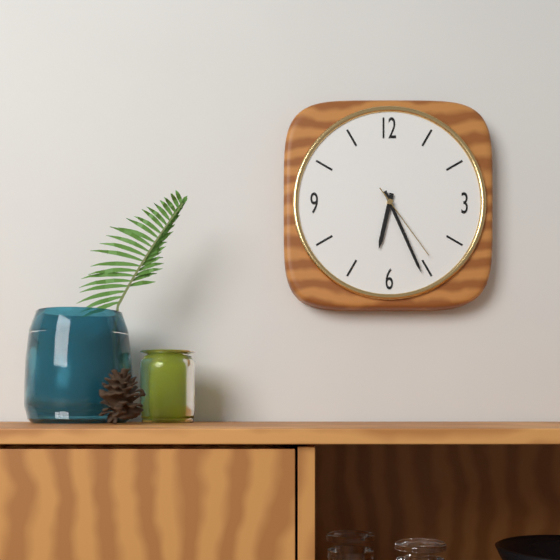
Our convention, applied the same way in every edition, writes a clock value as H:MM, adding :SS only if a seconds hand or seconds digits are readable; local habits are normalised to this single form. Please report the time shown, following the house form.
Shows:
6:26:24
